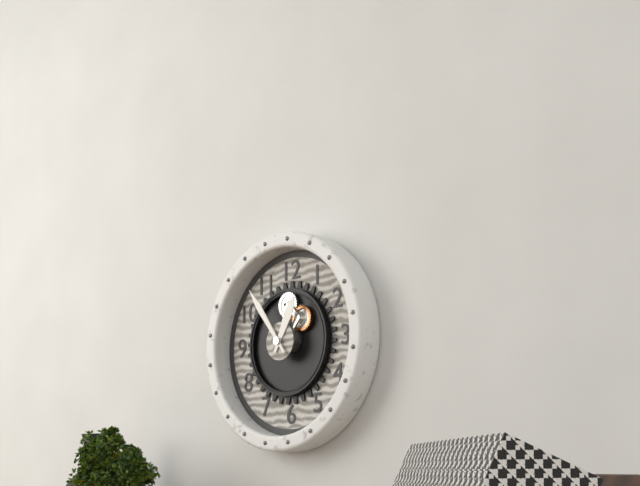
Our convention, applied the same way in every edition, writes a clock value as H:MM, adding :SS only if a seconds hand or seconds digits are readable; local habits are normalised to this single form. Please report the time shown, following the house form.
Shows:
12:54
